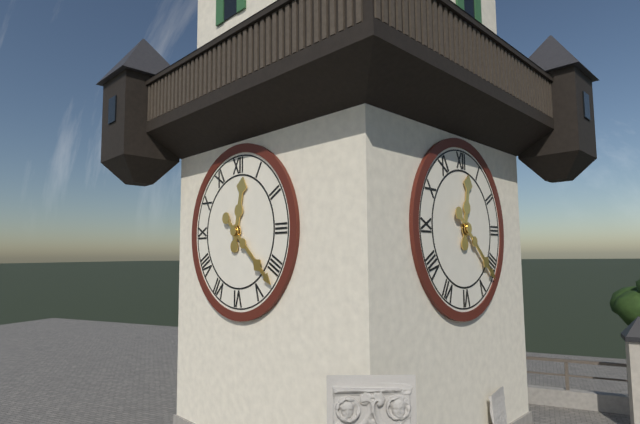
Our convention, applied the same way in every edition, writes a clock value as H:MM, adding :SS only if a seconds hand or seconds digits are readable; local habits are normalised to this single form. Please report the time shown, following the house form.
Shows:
12:22
